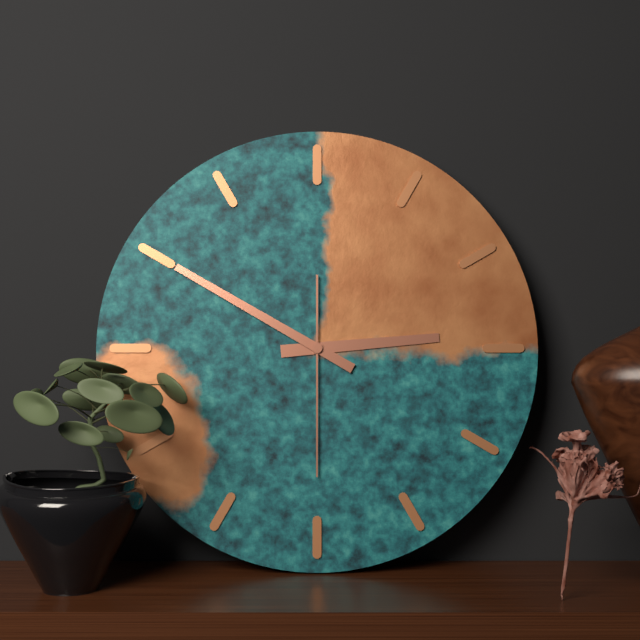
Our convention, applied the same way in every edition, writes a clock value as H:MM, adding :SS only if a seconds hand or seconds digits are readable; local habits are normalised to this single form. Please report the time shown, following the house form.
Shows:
2:50:30
